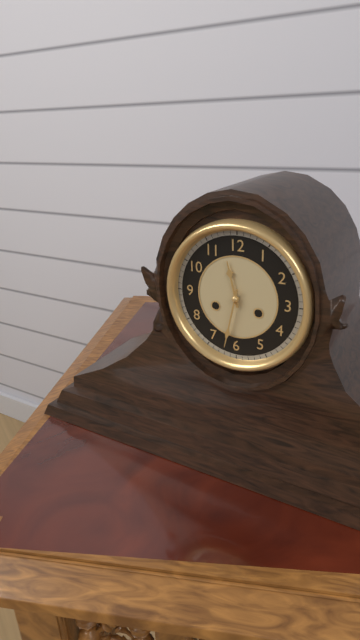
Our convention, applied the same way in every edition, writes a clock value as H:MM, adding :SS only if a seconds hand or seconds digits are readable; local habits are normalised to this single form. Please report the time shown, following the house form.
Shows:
11:32
